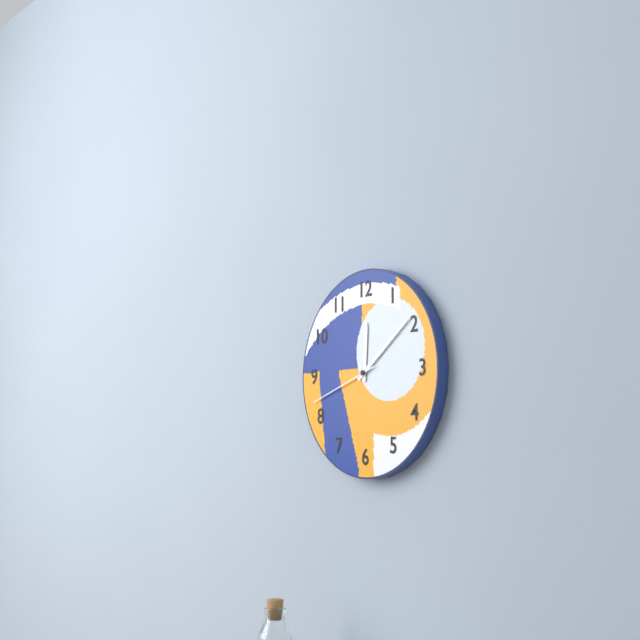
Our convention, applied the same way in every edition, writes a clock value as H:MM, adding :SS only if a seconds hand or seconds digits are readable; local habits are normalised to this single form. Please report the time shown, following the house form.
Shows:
12:09:42
